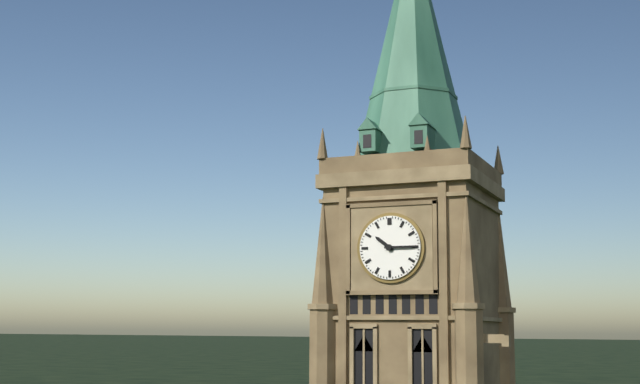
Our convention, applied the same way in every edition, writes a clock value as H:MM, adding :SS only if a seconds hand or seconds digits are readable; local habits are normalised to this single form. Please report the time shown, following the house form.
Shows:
10:15
